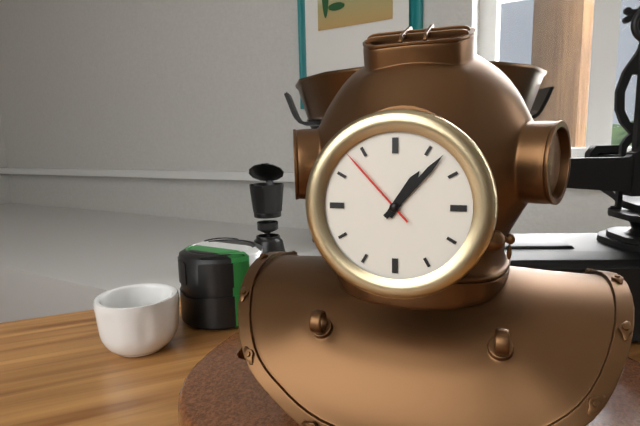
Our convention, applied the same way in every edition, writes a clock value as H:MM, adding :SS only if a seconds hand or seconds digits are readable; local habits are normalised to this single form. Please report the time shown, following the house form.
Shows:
1:07:53
